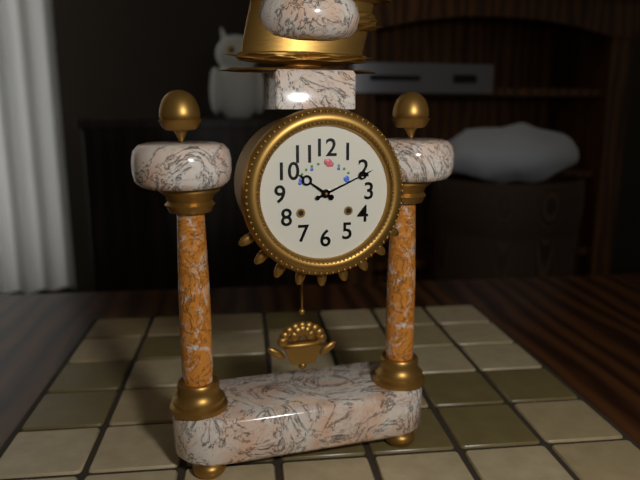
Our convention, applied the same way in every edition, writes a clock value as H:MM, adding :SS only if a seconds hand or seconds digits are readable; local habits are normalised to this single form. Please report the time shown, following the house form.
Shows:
10:11
